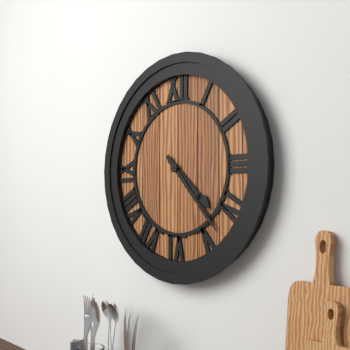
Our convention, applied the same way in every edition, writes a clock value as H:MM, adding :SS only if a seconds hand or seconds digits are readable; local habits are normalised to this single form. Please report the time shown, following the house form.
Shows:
4:23
